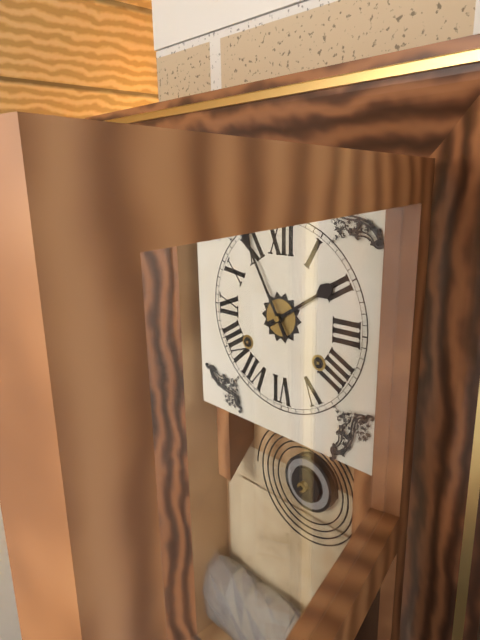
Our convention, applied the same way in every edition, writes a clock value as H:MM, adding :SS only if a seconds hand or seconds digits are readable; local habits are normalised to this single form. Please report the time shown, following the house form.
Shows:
1:55
